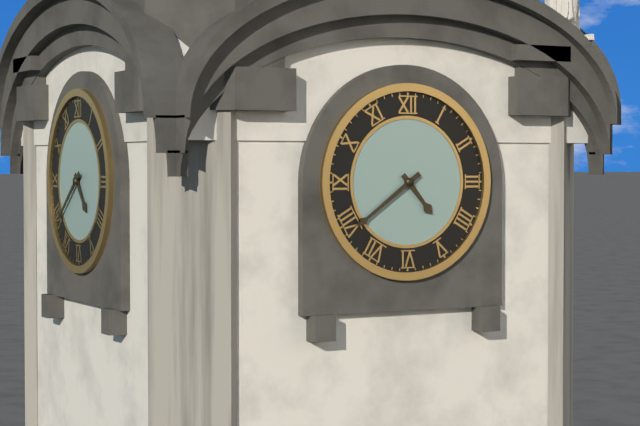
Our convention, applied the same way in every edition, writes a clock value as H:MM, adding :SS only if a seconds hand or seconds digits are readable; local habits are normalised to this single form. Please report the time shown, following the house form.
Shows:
4:39
